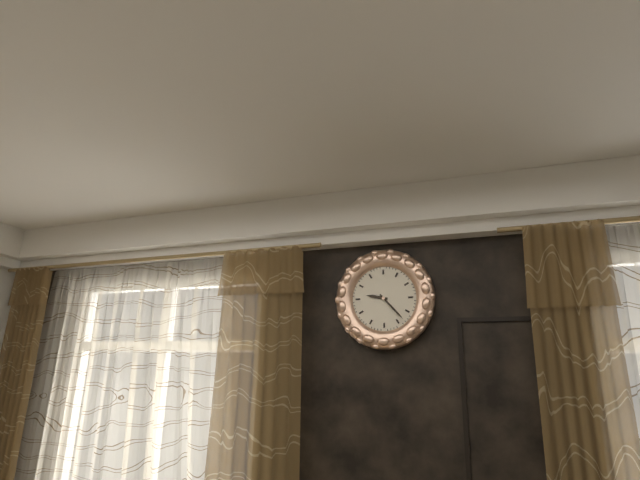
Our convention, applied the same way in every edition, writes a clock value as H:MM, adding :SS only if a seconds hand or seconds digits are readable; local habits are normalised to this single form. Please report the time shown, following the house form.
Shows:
9:23
